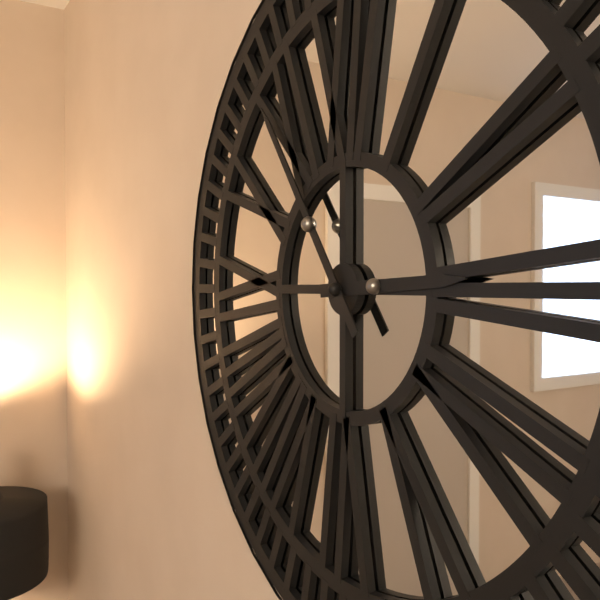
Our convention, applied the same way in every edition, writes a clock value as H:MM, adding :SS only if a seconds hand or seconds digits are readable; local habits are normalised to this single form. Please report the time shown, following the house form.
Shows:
2:54
